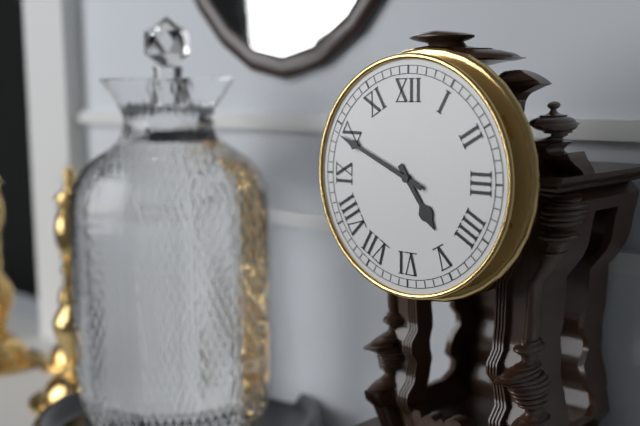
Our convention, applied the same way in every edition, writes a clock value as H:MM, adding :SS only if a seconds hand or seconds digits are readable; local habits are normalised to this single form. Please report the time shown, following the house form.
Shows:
4:49
